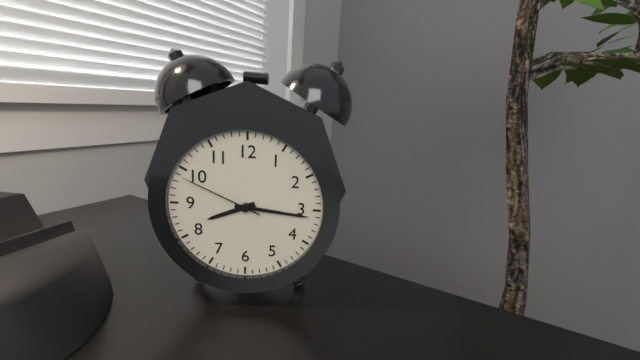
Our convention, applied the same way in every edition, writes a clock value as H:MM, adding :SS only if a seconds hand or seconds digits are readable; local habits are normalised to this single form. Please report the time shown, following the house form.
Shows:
8:16:49
